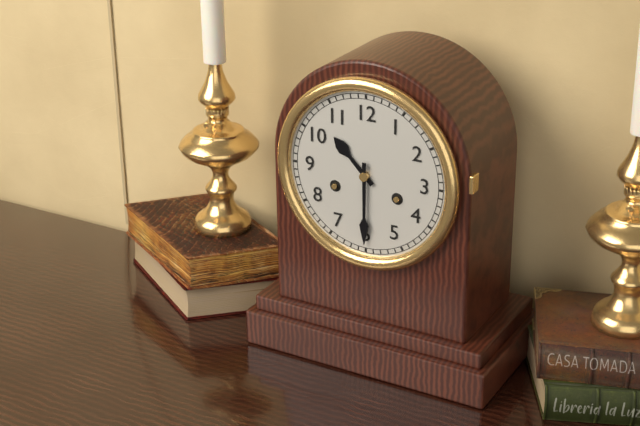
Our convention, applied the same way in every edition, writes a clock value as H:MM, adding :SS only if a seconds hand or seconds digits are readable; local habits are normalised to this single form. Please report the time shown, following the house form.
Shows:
10:30
